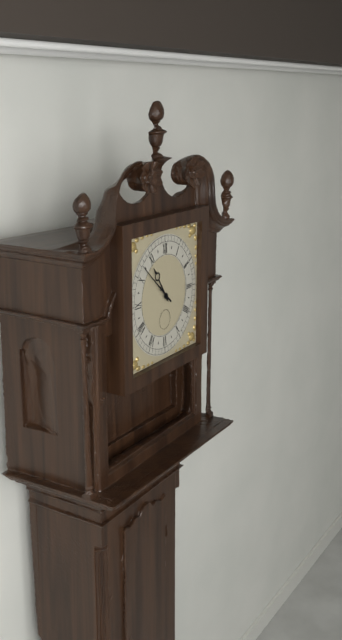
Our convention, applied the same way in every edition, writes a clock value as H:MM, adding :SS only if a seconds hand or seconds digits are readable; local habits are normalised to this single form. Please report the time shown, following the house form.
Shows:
10:52
